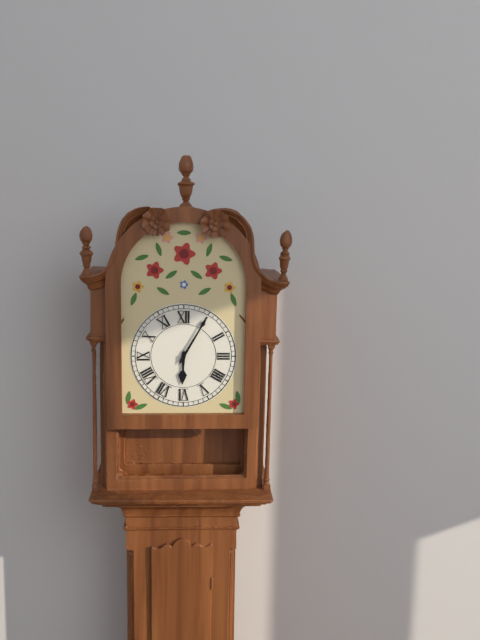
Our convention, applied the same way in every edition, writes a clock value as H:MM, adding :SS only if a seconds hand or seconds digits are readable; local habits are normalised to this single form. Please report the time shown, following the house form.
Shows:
6:05
